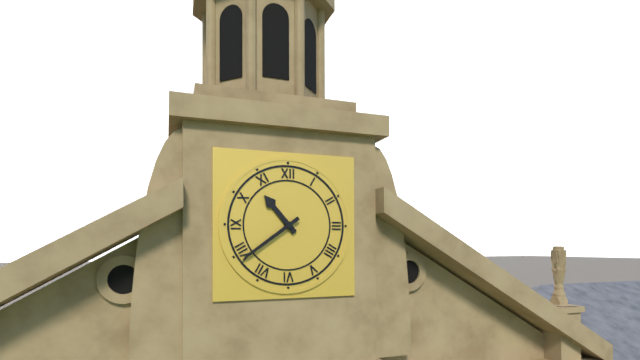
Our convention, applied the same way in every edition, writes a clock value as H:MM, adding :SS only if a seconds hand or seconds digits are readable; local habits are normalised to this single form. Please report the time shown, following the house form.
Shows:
10:39
